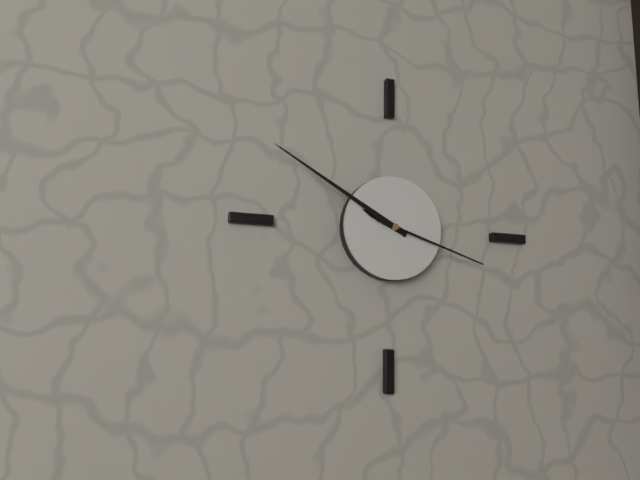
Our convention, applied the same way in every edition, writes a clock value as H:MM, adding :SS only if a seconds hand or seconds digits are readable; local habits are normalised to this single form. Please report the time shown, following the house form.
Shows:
9:50:18
